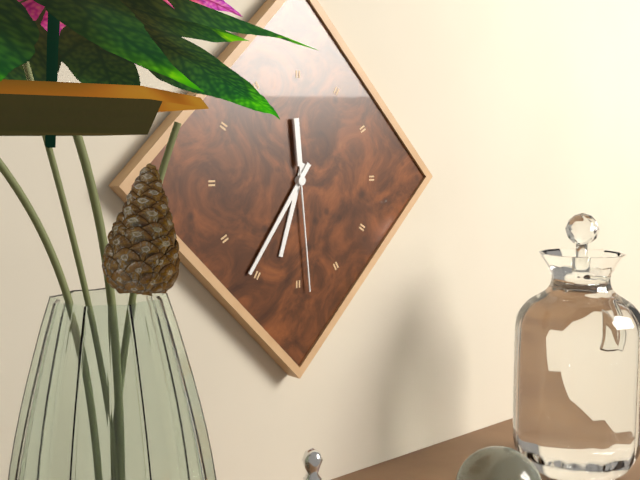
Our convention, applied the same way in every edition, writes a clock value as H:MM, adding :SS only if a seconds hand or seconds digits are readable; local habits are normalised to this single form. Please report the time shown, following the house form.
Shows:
6:36:29
